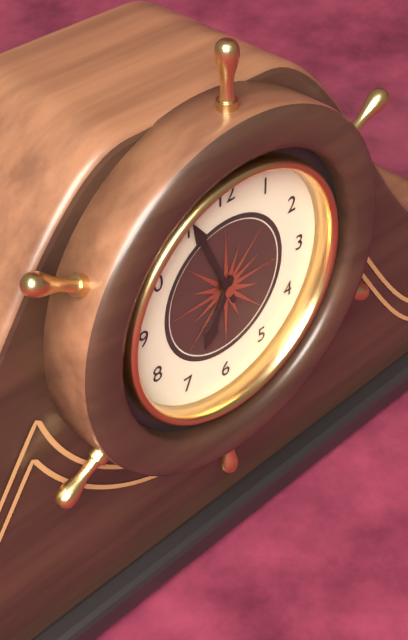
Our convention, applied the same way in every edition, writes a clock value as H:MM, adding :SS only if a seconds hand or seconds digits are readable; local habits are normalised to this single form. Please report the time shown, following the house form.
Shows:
6:56
